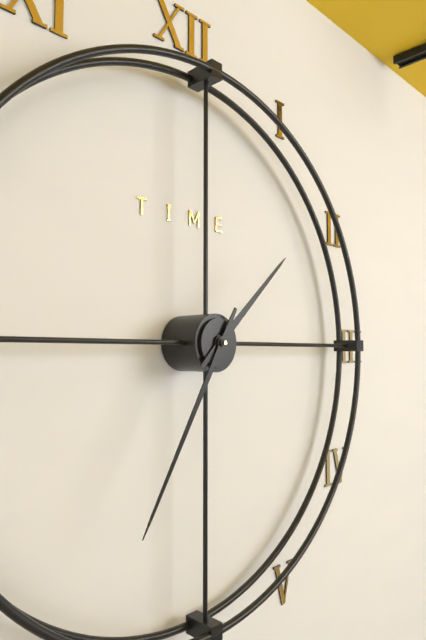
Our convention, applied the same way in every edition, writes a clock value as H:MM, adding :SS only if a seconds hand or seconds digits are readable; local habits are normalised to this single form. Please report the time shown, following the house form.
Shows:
1:35
